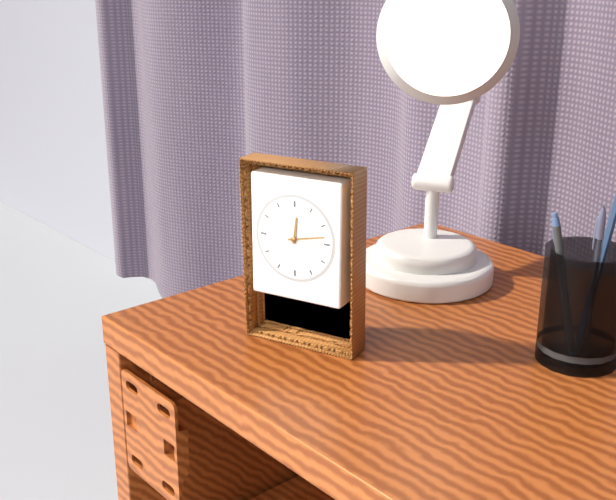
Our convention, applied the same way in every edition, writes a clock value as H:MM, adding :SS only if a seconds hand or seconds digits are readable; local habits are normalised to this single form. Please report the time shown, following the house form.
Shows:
12:13
